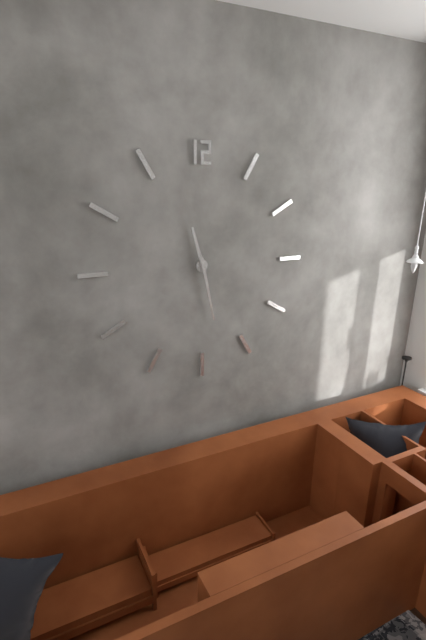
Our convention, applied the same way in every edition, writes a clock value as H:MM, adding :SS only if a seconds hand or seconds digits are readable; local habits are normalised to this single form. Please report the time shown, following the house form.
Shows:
11:28
